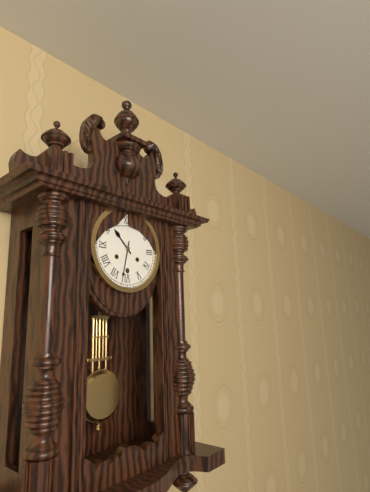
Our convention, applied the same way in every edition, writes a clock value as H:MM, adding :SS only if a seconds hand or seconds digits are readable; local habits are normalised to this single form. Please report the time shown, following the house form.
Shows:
10:32
